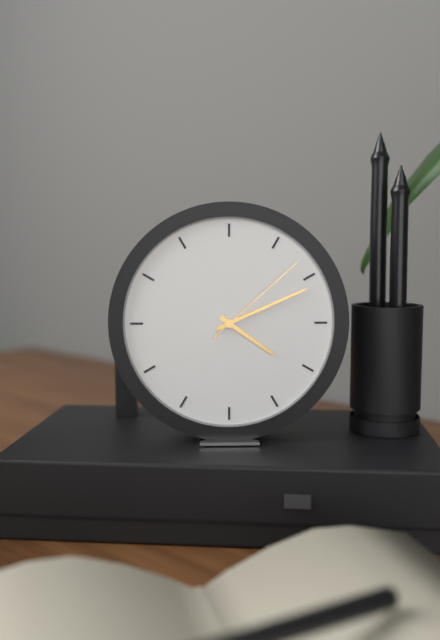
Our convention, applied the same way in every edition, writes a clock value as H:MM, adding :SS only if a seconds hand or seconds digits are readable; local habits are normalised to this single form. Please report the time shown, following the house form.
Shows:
4:11:08
